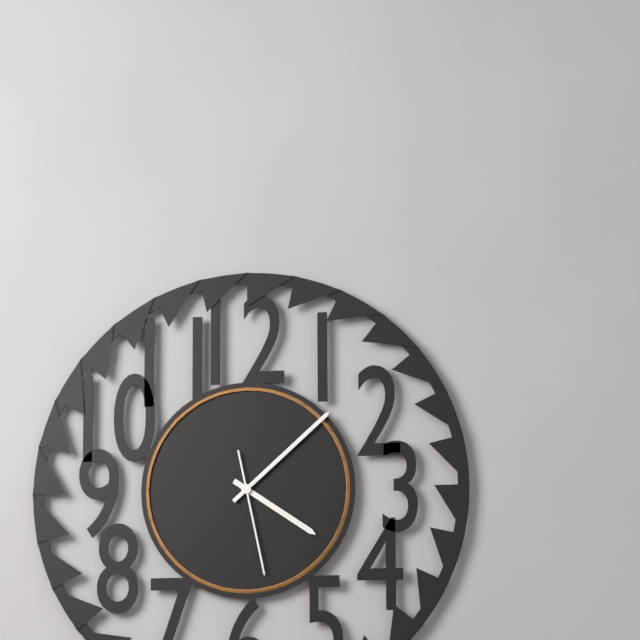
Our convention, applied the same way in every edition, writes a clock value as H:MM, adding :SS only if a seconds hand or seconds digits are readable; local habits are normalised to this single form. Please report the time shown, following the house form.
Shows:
4:08:28
